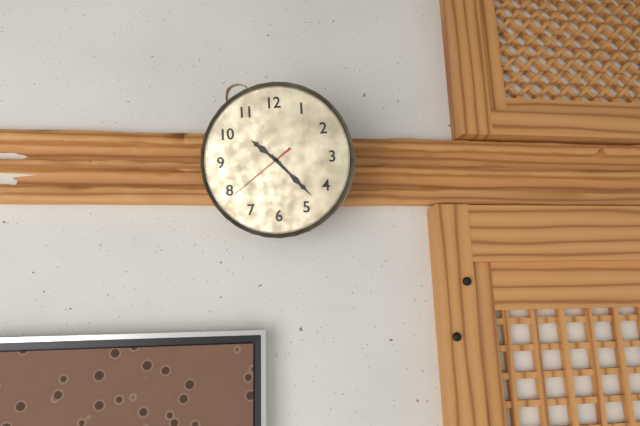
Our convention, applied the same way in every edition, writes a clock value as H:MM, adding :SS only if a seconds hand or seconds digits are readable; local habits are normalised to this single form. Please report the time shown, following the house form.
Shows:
10:23:39
